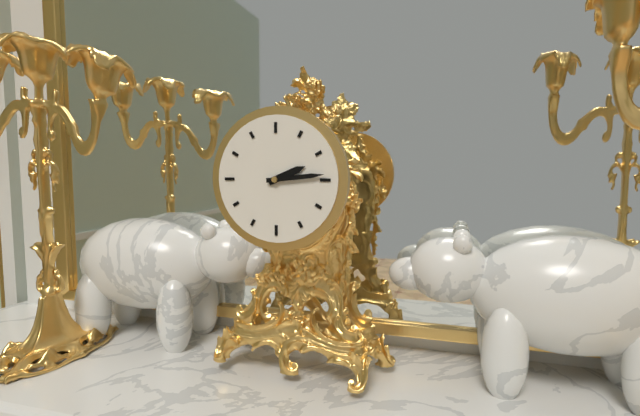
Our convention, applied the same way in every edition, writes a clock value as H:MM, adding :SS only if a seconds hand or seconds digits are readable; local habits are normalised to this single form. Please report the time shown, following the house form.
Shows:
2:14
